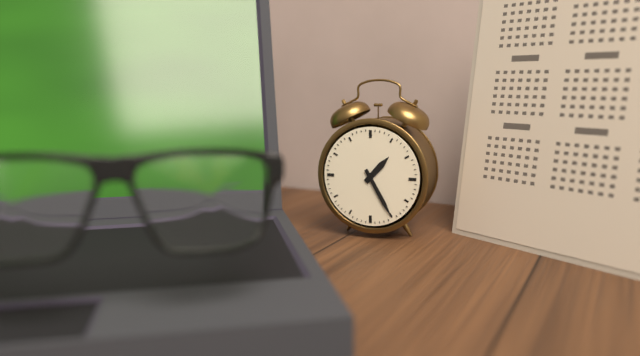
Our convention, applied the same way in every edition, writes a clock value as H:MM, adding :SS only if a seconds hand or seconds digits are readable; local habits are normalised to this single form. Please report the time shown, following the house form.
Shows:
1:25
